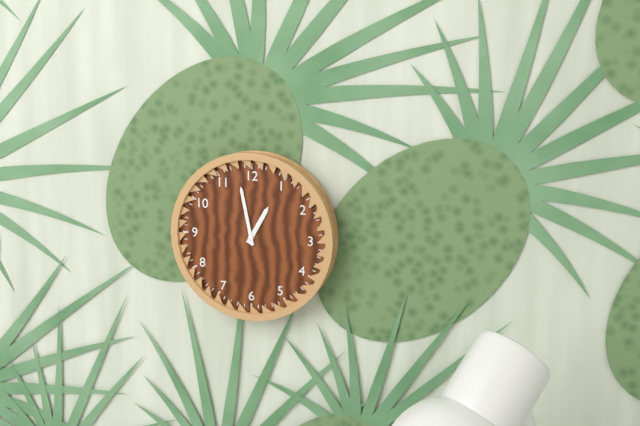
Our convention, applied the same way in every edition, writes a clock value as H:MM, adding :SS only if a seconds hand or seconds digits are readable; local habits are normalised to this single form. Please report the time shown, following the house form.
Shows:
12:58
